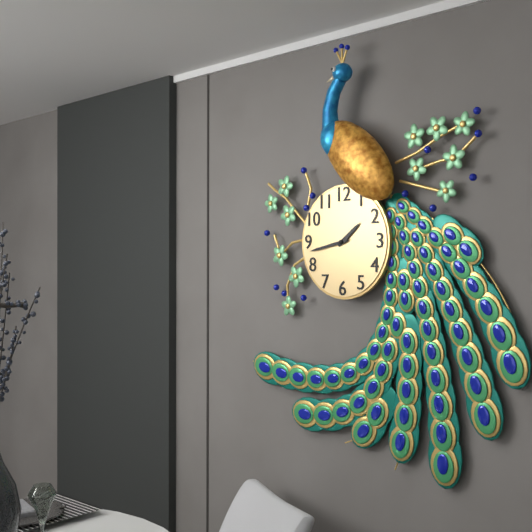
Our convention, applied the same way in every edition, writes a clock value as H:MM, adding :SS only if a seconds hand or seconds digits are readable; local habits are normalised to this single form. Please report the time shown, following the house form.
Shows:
1:43
